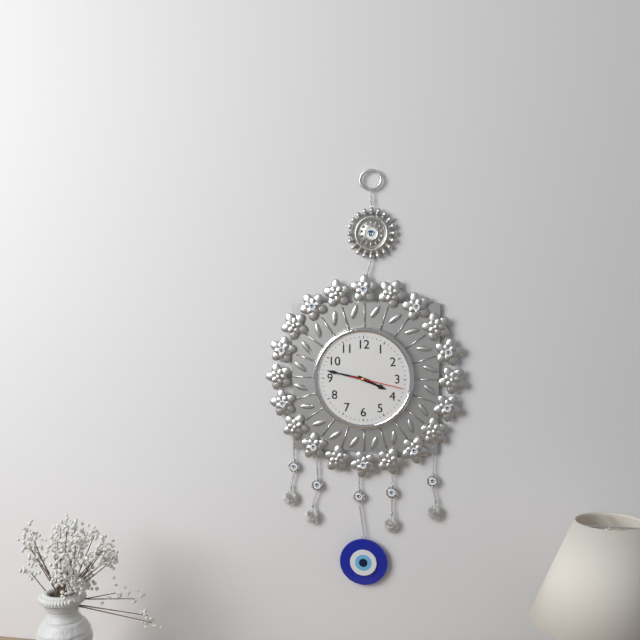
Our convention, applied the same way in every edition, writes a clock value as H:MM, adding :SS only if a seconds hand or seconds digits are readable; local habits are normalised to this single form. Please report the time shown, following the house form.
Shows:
3:47
